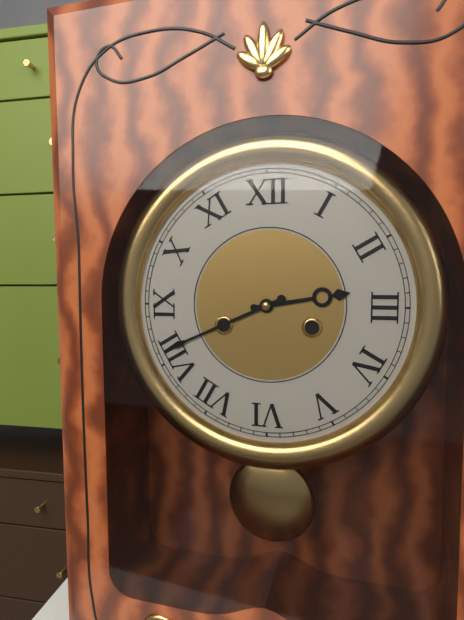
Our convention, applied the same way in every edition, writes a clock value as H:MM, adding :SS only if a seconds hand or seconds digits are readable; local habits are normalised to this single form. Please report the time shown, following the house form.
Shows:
2:41
